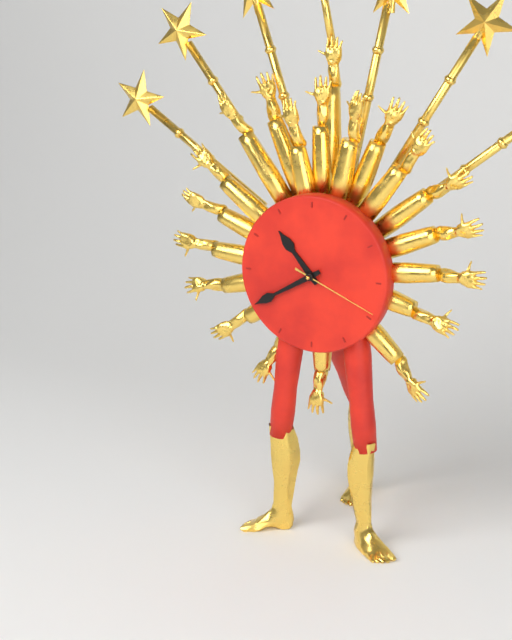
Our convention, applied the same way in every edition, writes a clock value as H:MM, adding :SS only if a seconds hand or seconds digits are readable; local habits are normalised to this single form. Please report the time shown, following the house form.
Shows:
10:40:19
